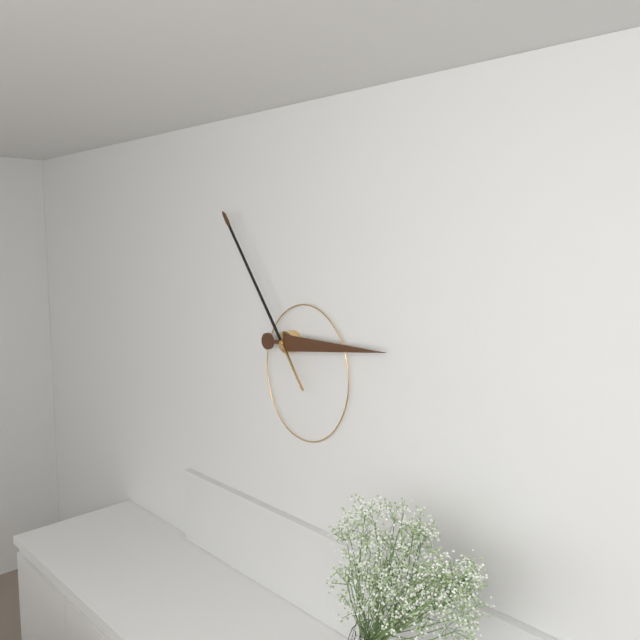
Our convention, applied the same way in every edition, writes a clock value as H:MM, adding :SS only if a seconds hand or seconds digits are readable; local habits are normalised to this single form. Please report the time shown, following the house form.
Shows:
2:54
